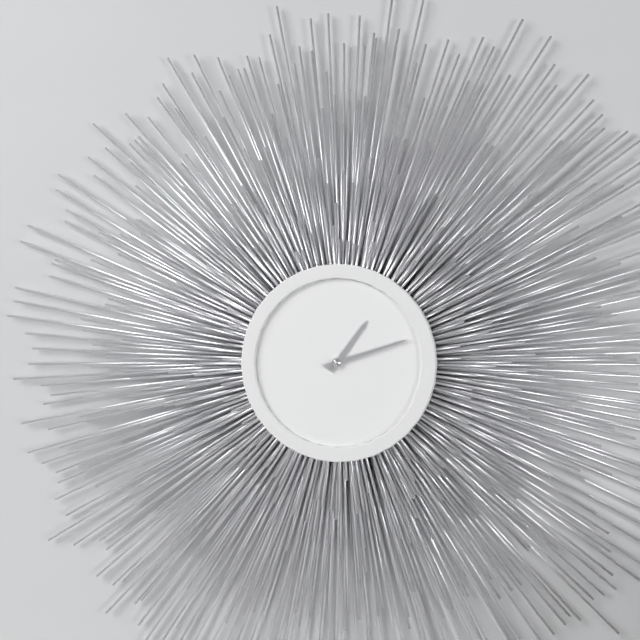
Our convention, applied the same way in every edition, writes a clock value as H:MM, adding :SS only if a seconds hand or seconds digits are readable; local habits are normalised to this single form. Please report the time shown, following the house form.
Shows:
1:12
